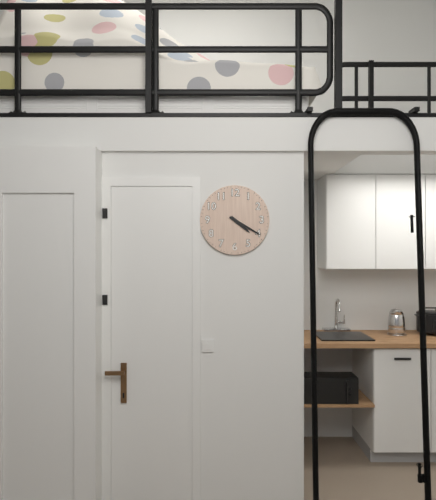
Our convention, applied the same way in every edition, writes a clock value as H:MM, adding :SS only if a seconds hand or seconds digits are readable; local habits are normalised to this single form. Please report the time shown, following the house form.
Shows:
4:20
